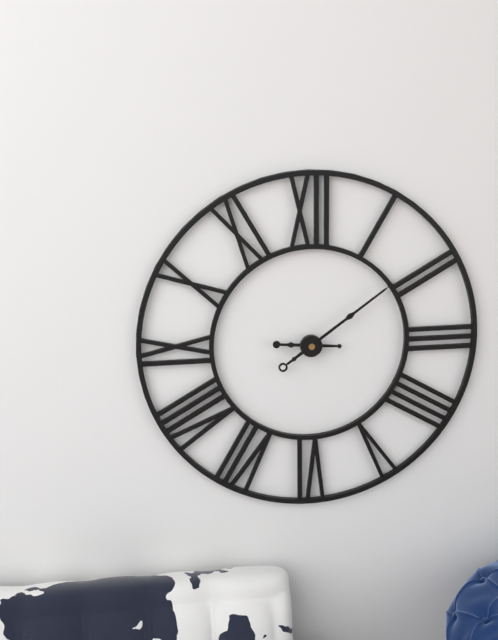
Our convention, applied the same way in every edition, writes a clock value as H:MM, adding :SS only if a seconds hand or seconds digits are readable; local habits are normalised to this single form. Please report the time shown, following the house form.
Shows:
9:09
